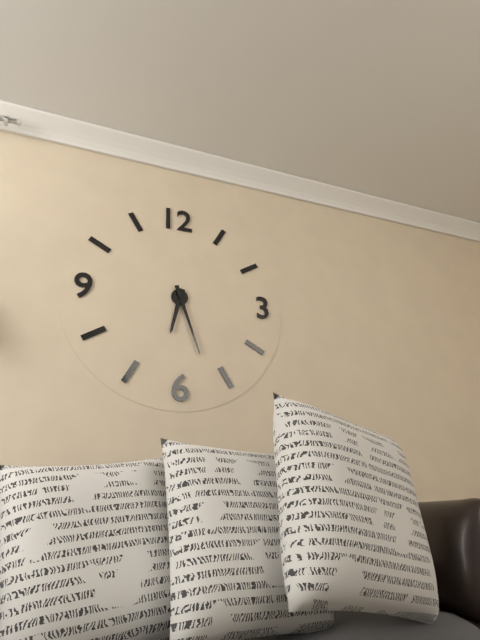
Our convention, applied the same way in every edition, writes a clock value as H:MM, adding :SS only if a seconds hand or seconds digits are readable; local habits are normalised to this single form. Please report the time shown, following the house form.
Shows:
6:27
